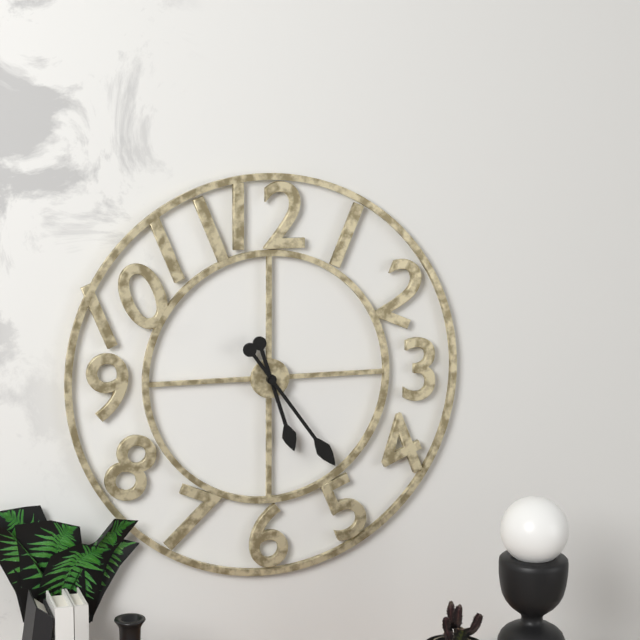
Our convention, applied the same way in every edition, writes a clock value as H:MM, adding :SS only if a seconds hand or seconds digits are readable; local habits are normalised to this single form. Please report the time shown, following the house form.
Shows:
5:24
